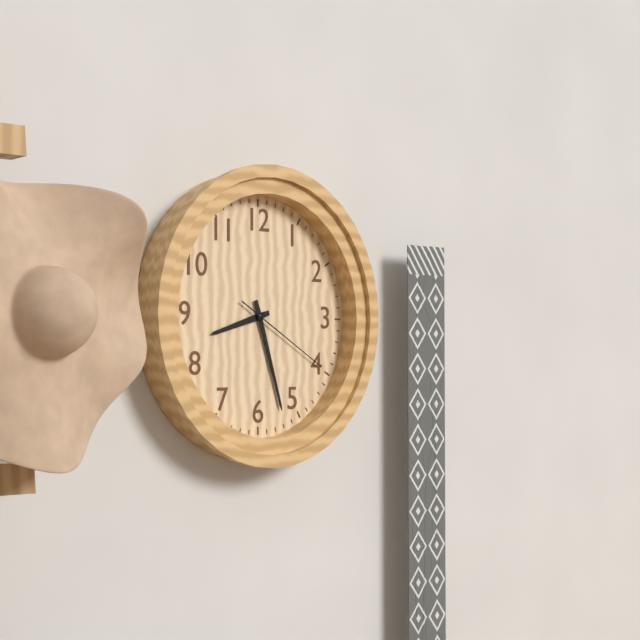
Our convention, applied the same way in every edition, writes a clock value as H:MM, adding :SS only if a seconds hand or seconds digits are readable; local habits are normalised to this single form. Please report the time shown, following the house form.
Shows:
8:27:20
